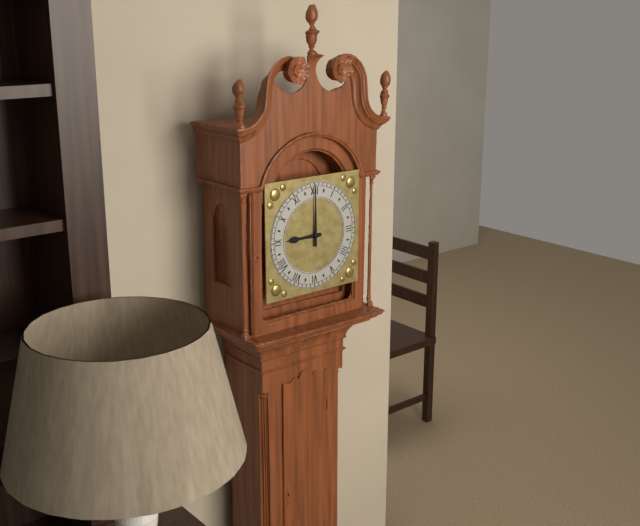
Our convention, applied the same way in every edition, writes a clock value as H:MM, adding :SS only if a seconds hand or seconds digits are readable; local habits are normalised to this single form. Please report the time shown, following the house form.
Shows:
9:00
